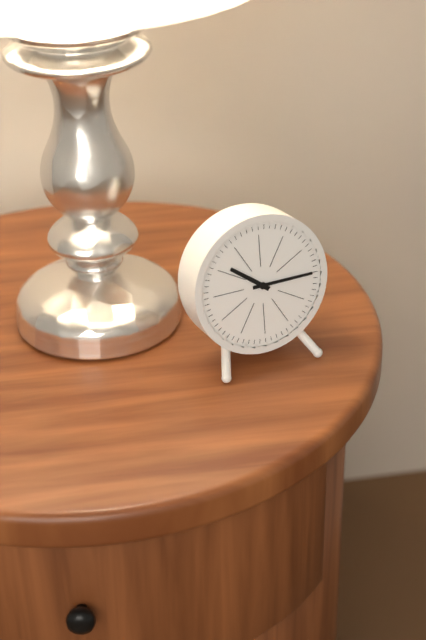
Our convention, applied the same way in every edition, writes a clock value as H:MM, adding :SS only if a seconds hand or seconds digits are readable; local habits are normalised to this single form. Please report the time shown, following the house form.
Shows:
10:15
